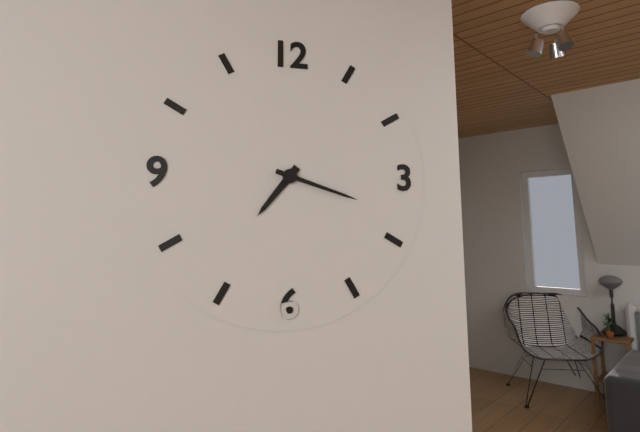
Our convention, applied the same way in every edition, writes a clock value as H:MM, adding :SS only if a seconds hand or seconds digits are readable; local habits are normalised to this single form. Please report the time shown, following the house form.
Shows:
7:18
